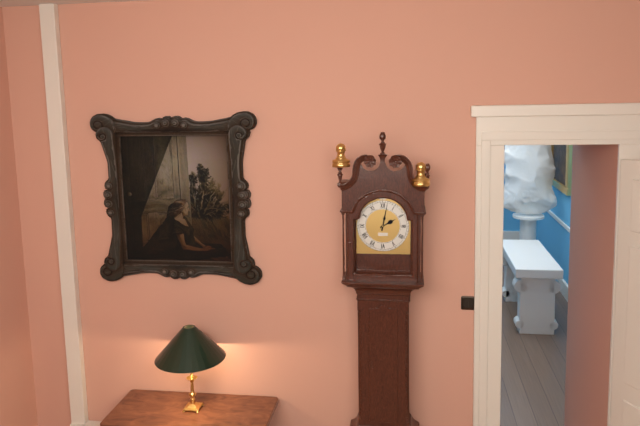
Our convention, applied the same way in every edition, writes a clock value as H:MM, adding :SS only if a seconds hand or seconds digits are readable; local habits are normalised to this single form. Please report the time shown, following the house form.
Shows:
2:02
